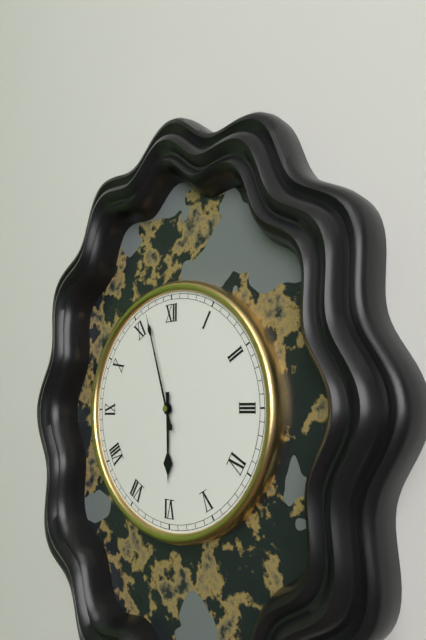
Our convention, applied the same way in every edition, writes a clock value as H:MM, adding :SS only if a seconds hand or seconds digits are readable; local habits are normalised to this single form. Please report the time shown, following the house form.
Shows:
5:57
